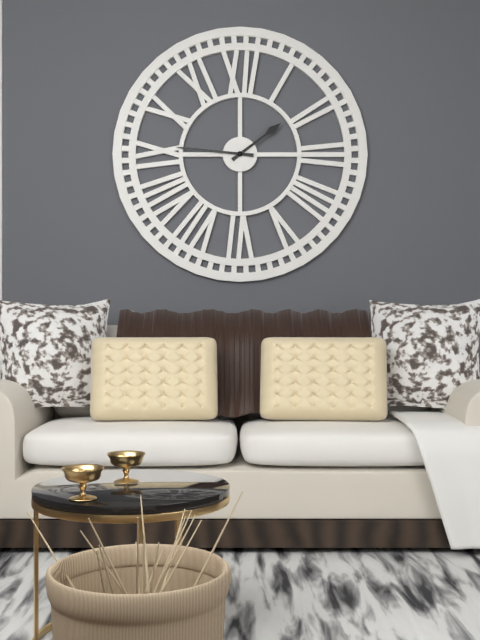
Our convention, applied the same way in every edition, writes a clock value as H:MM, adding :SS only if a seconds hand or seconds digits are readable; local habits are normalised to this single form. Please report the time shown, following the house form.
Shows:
1:46
